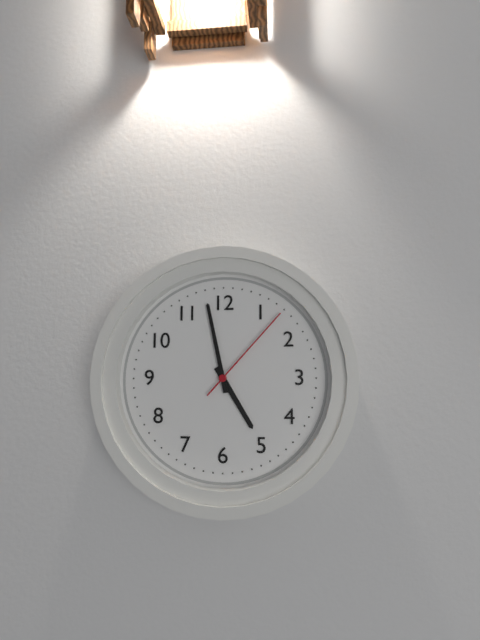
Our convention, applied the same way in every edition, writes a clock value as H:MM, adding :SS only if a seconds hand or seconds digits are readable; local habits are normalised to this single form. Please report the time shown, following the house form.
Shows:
4:58:07
